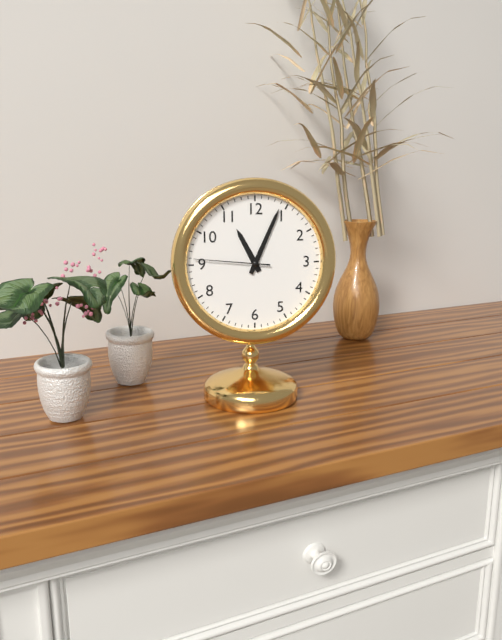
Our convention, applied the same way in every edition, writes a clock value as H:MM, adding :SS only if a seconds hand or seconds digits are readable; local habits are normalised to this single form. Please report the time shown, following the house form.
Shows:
11:04:46
